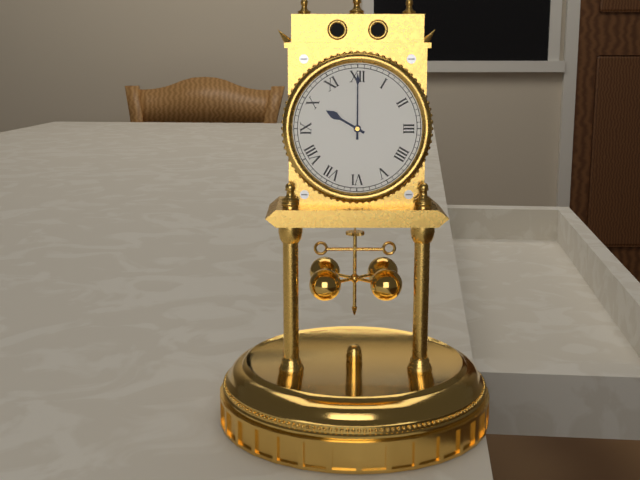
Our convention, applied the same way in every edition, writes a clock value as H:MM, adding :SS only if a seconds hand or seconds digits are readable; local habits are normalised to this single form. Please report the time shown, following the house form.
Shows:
10:00
